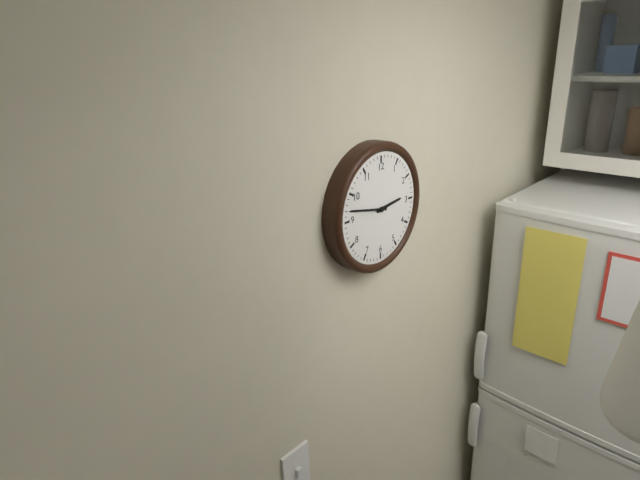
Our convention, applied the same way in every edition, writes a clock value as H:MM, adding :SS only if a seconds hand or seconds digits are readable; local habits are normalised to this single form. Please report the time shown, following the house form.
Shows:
2:47
